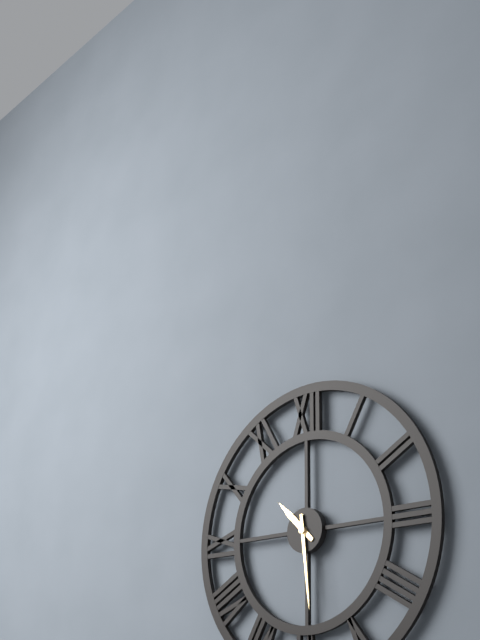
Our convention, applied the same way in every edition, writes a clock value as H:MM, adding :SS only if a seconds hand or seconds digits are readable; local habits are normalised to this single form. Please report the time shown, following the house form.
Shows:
10:29
